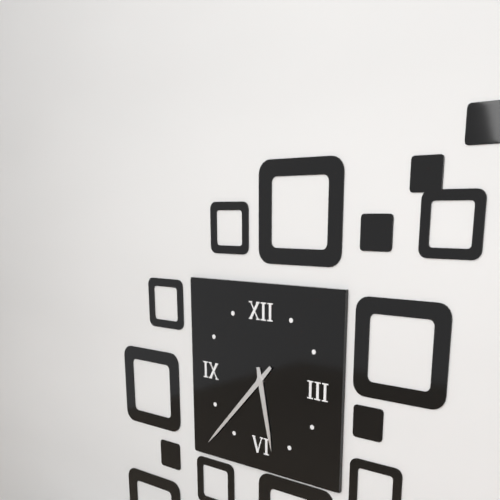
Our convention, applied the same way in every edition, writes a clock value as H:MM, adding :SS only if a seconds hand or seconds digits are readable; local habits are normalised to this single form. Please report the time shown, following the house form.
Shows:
5:37
